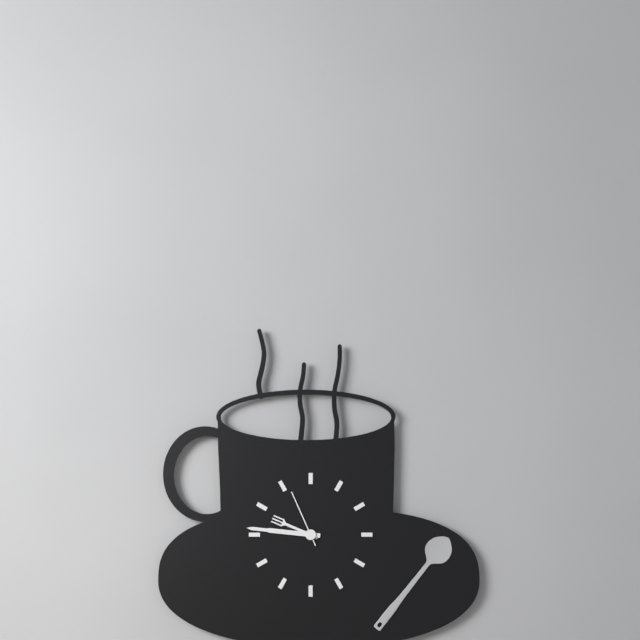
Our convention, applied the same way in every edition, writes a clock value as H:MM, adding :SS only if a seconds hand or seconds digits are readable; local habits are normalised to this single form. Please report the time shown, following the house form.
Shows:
9:46:56
